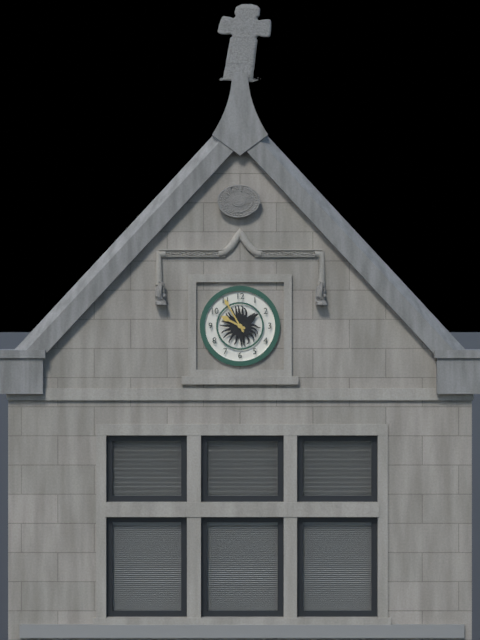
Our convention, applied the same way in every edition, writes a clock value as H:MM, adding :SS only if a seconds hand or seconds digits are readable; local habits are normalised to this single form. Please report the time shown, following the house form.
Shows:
9:55
